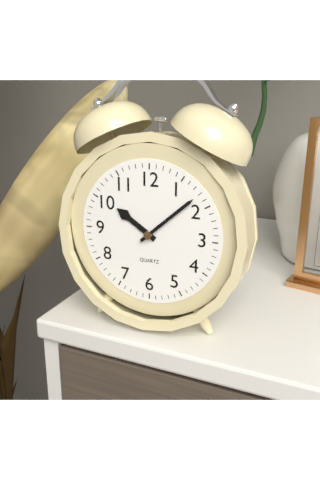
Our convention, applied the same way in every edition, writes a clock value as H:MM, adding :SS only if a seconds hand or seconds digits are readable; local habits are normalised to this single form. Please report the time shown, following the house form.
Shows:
10:08
